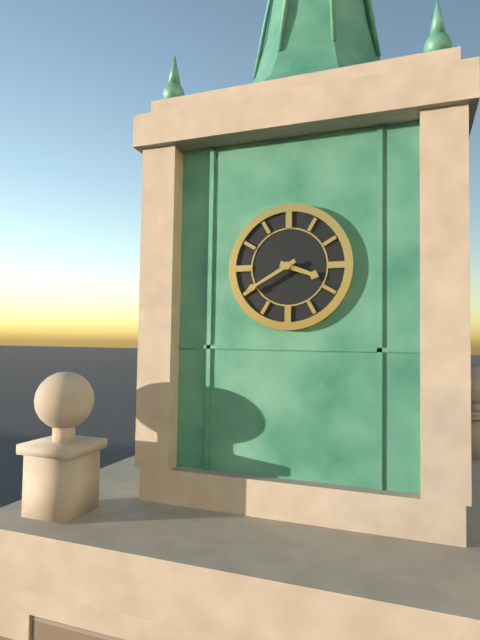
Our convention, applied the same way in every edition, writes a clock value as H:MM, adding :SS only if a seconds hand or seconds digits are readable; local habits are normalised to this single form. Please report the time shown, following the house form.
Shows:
3:40
